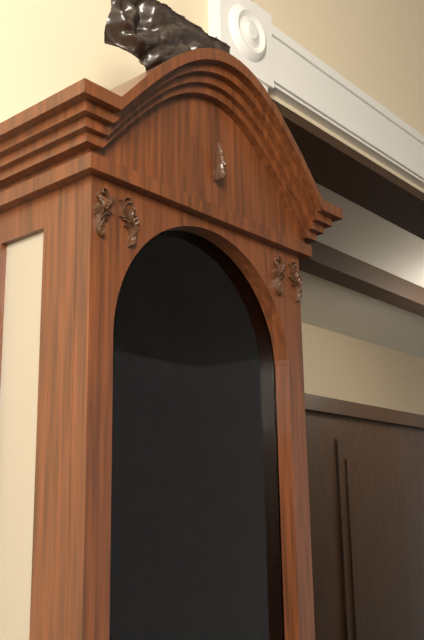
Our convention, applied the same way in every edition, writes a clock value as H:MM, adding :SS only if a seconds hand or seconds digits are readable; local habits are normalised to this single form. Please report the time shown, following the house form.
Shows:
5:05
